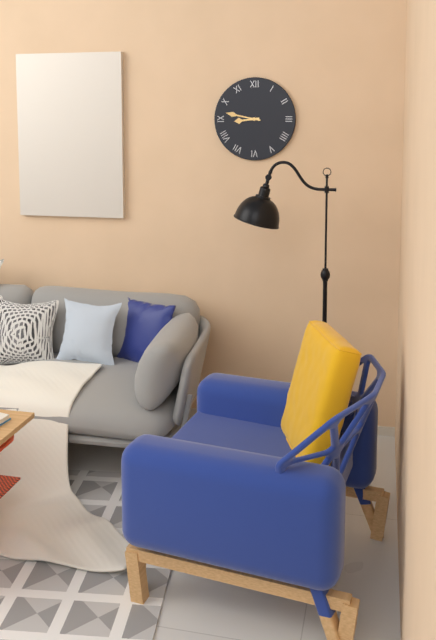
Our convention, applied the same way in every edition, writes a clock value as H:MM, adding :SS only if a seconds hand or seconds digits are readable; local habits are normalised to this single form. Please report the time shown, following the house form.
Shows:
8:47
